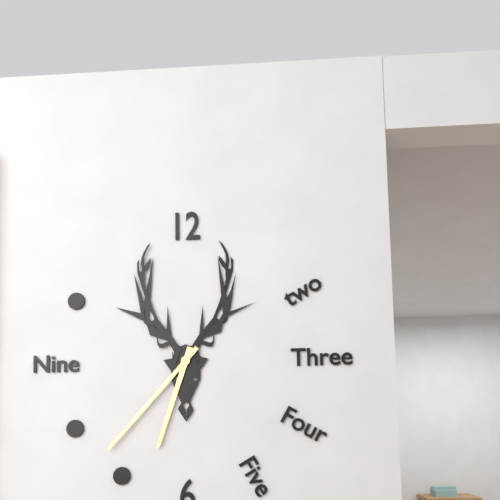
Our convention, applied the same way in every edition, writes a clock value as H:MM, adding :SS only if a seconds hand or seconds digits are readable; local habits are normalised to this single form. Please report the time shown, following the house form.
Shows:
6:37
